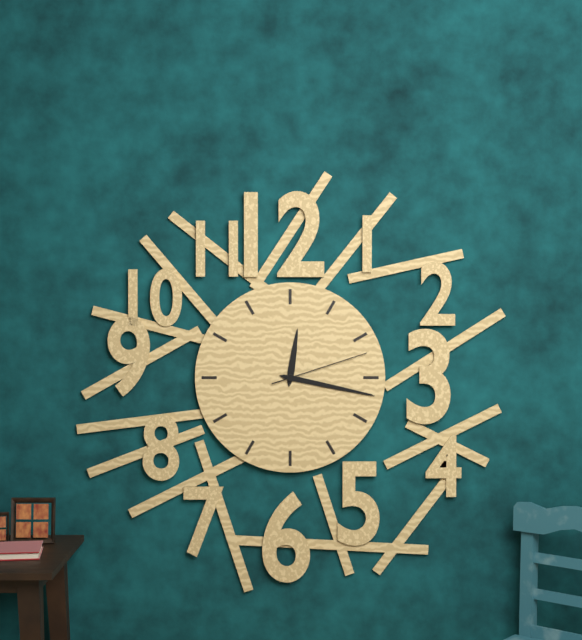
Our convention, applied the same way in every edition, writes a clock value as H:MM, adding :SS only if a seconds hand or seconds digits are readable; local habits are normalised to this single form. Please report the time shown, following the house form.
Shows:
12:17:12
